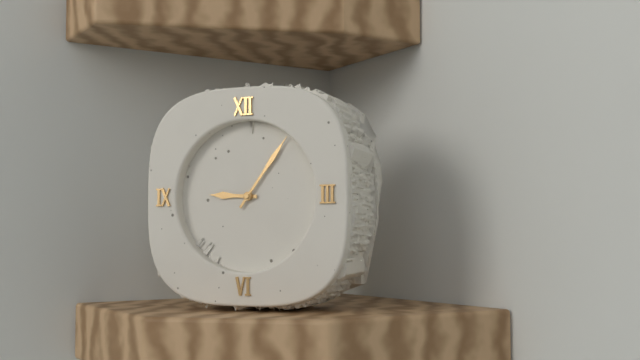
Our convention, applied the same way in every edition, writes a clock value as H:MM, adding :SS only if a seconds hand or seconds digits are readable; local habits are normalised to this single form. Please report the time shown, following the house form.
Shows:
9:06
